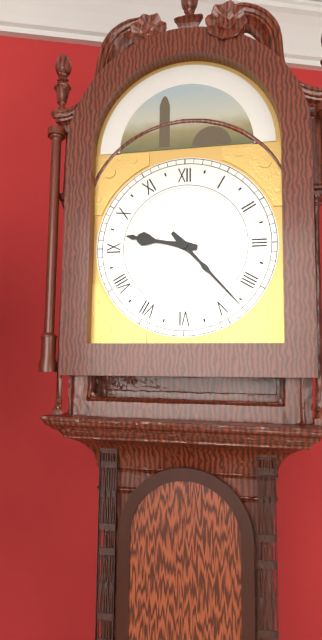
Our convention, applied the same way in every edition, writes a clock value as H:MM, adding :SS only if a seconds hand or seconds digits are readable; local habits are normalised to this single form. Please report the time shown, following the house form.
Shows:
9:23
